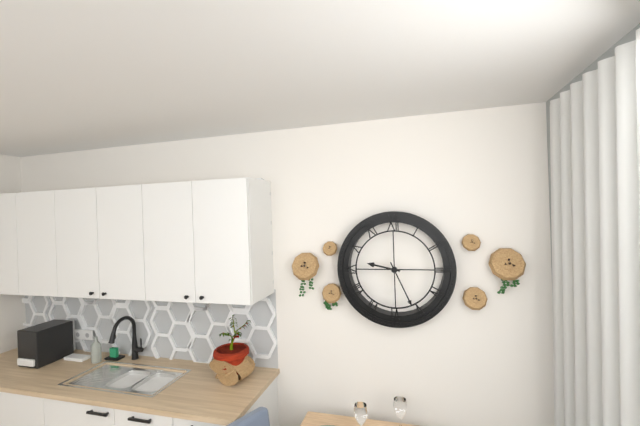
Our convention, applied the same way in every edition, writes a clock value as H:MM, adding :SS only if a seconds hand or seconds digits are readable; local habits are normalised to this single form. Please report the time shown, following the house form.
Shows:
9:26
